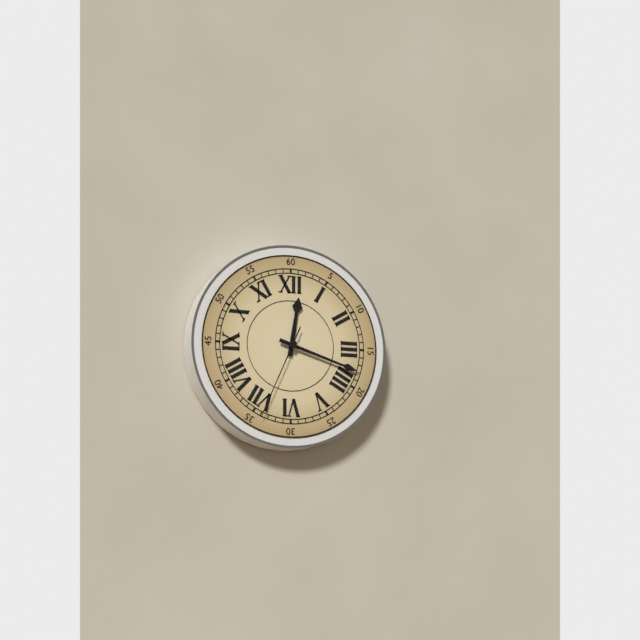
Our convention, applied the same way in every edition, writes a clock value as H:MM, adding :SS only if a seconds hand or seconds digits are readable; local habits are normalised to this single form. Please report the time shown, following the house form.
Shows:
12:18:34
